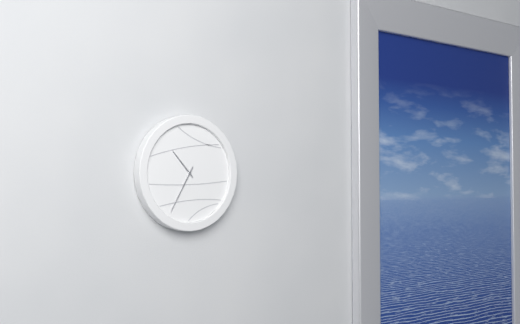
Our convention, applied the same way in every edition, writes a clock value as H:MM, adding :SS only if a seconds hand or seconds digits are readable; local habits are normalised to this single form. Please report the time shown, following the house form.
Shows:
10:35
